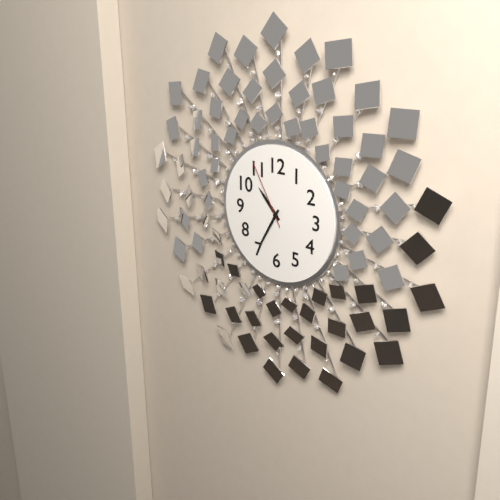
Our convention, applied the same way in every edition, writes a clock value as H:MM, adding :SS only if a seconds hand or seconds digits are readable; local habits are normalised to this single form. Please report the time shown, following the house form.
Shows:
10:35:55
